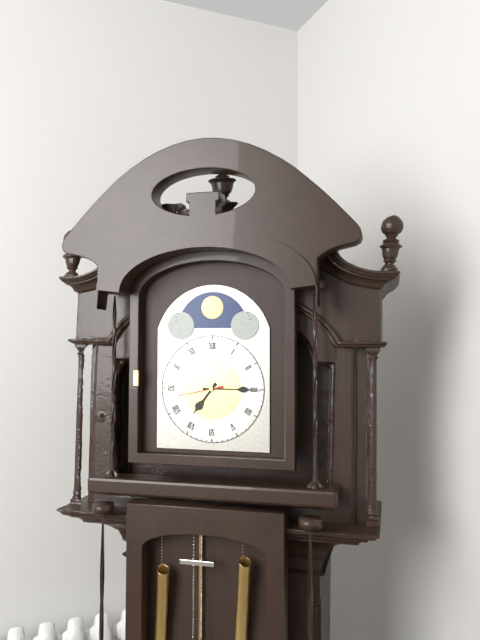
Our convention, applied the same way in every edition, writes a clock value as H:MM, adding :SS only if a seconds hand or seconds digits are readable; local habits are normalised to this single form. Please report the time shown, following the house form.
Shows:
7:15
